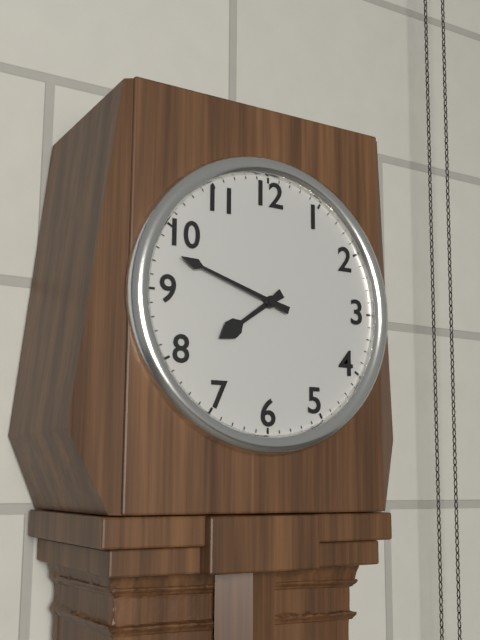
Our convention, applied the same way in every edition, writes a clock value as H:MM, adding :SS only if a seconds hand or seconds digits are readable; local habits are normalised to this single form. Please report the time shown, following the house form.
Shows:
7:48
